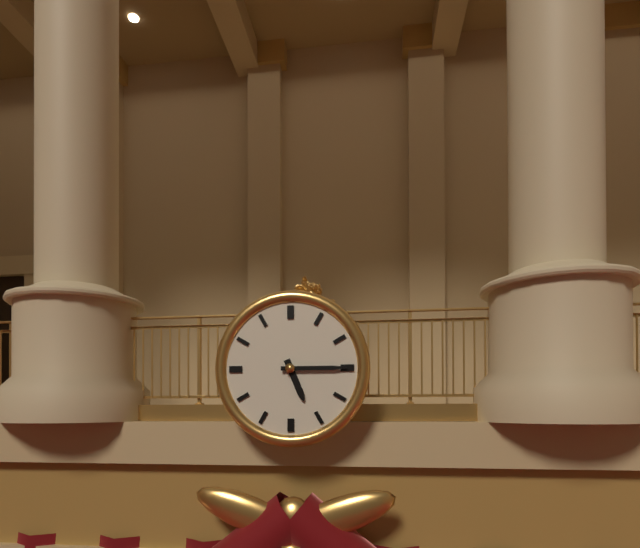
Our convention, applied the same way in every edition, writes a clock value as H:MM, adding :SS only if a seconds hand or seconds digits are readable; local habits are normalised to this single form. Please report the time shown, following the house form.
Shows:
5:15
